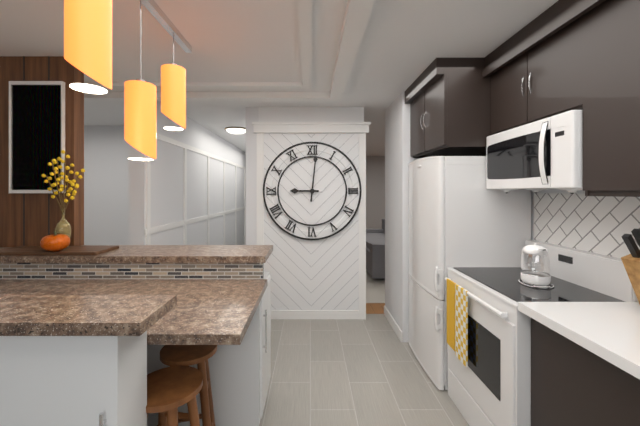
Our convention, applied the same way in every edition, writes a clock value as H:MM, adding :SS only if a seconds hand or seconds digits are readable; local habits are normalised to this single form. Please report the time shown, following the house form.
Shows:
9:01
